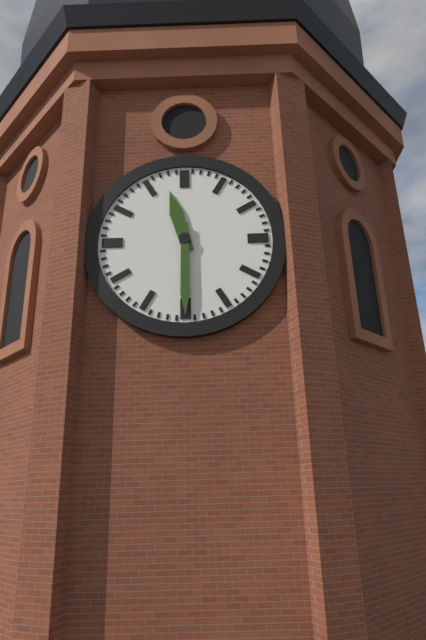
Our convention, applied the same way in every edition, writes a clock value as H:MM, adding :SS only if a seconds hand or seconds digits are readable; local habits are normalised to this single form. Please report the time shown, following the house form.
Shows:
11:30
